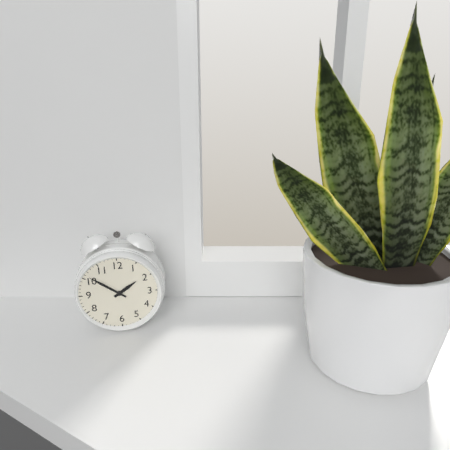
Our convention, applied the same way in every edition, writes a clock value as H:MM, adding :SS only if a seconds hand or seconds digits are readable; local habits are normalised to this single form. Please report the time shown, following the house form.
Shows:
1:51
